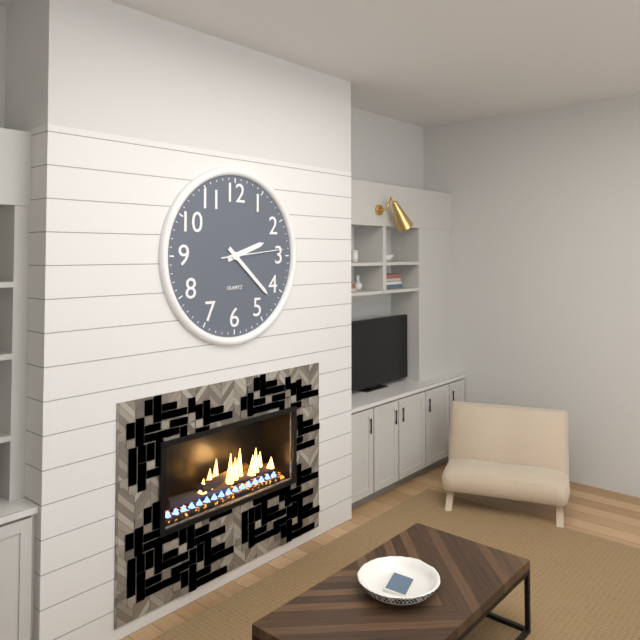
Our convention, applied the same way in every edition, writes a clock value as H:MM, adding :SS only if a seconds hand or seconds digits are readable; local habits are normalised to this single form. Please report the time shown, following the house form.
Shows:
2:22:14
